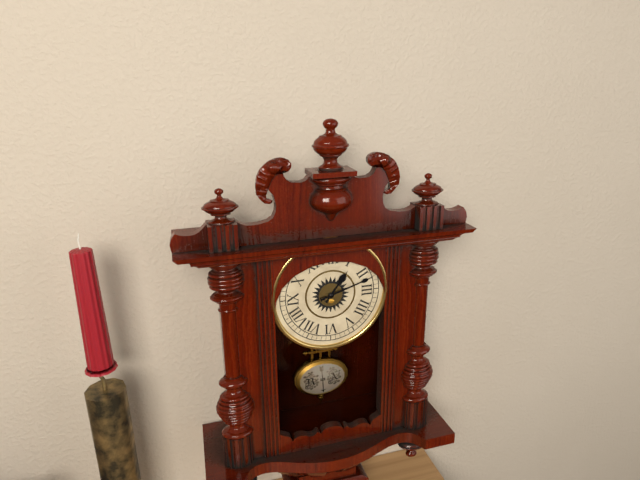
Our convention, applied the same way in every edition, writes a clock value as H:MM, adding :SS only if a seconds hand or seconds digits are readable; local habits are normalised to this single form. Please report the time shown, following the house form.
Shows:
1:12
